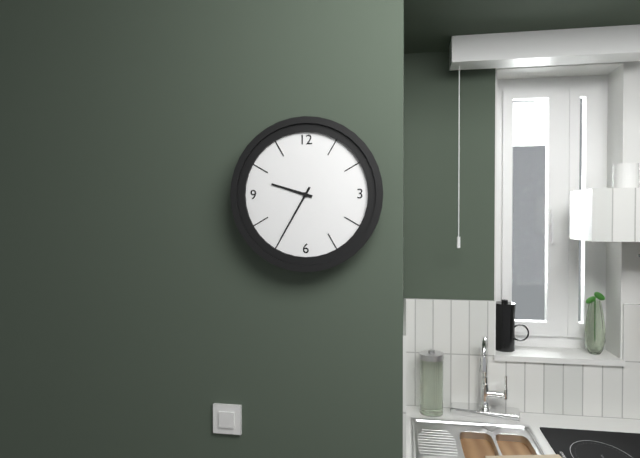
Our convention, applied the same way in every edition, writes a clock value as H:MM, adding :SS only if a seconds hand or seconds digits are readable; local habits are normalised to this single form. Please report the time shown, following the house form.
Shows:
9:35
